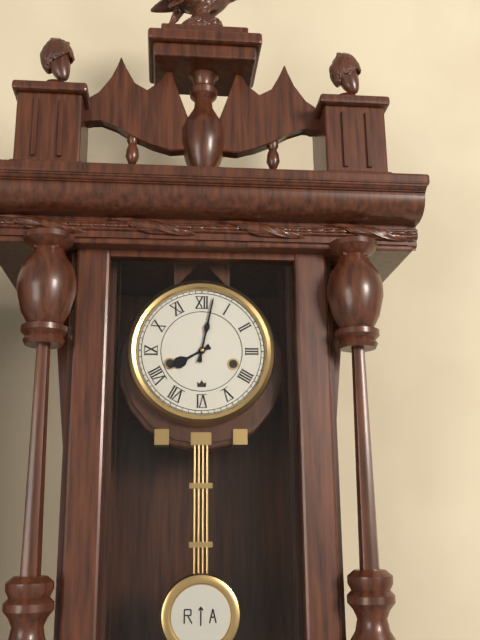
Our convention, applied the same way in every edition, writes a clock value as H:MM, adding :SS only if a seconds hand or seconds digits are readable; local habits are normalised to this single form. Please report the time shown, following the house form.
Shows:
8:02
